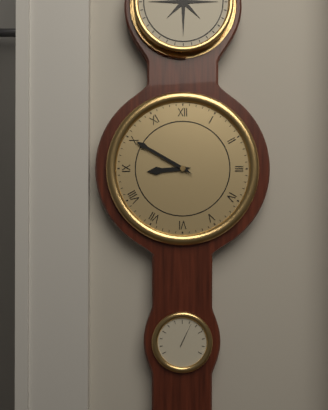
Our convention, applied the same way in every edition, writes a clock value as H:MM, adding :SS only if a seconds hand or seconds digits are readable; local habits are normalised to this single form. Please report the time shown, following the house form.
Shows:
8:50
